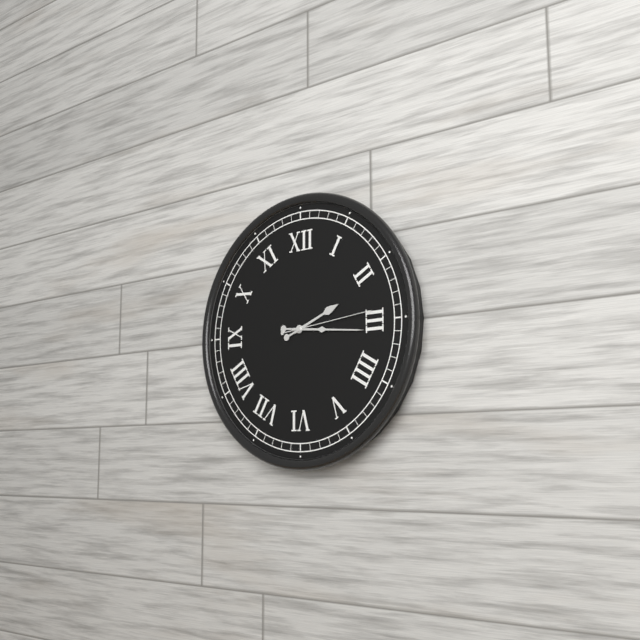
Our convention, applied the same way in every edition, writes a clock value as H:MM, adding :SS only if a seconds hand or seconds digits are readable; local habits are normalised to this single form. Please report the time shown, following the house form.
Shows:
2:16:14
